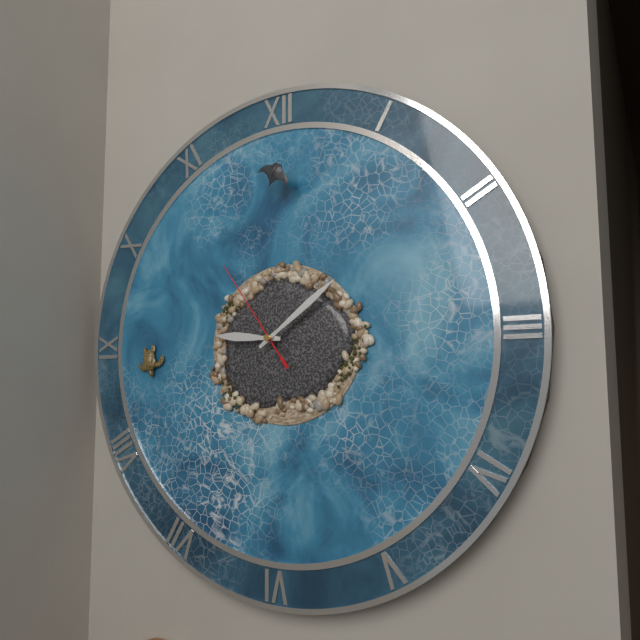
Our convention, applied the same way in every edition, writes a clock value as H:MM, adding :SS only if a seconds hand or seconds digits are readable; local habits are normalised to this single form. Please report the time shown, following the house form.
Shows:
9:09:54
